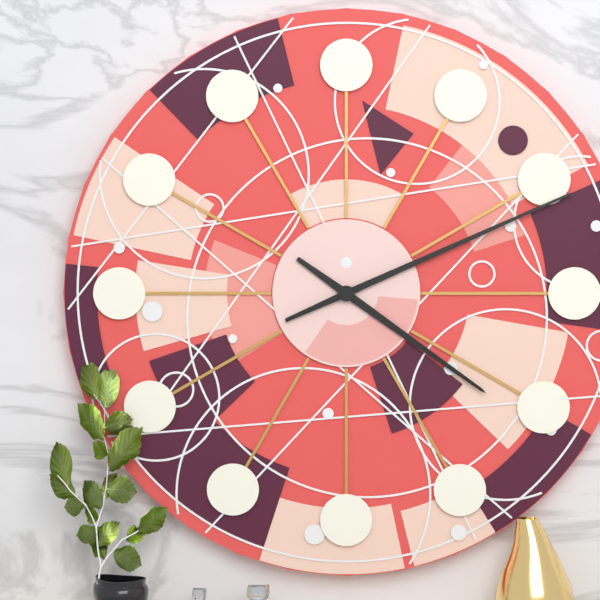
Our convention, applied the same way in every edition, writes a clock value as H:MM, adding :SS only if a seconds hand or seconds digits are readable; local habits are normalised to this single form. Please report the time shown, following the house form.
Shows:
4:11
